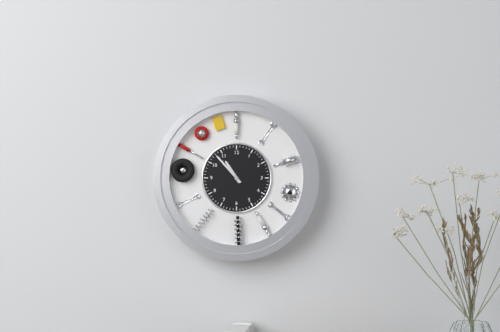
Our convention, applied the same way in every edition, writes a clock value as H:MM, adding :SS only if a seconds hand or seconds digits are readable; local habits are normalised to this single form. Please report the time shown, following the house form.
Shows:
10:53
